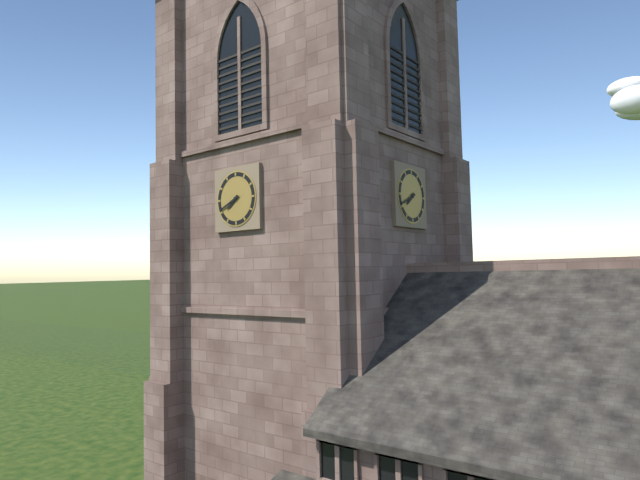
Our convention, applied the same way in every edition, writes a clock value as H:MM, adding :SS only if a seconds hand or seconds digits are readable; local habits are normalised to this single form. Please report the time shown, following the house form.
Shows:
7:41
